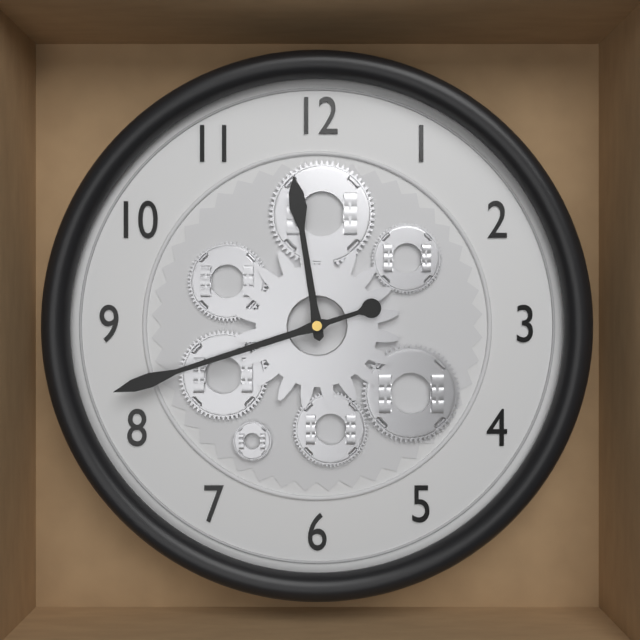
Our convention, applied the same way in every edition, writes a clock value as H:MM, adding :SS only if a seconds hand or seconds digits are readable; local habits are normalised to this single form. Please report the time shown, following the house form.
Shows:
11:42
